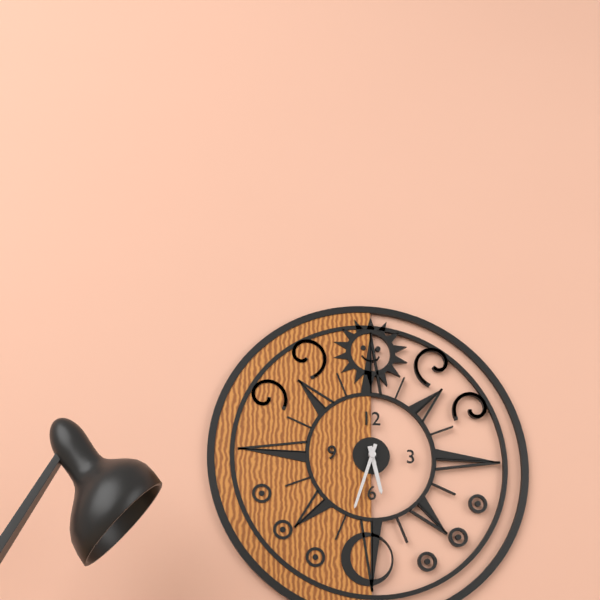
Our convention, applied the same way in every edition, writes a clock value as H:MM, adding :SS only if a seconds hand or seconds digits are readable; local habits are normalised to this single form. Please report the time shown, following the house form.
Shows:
5:33
